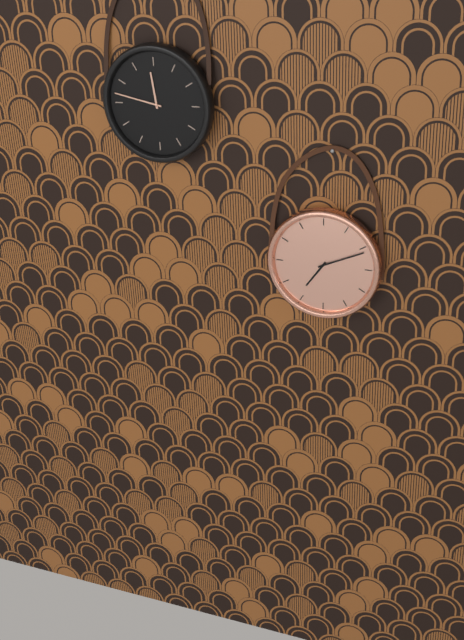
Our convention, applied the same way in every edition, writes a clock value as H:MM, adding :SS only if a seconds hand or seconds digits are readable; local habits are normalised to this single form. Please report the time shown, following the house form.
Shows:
7:11
